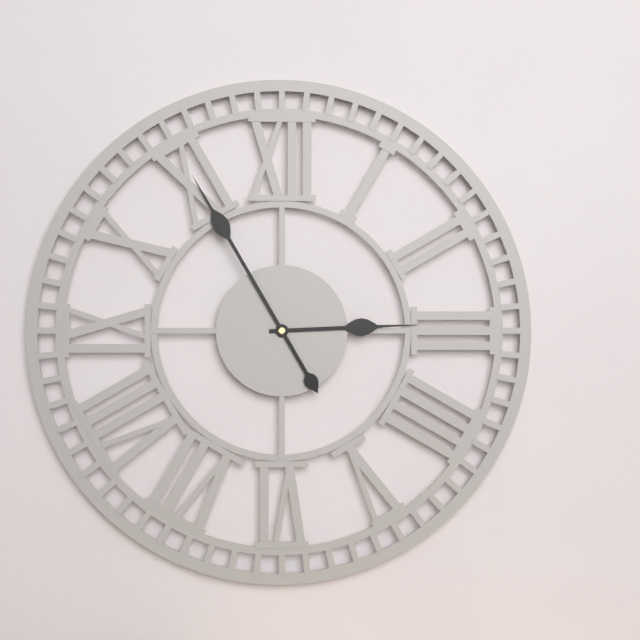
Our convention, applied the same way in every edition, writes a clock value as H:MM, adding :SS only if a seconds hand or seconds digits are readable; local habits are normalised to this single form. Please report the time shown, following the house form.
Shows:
2:55
